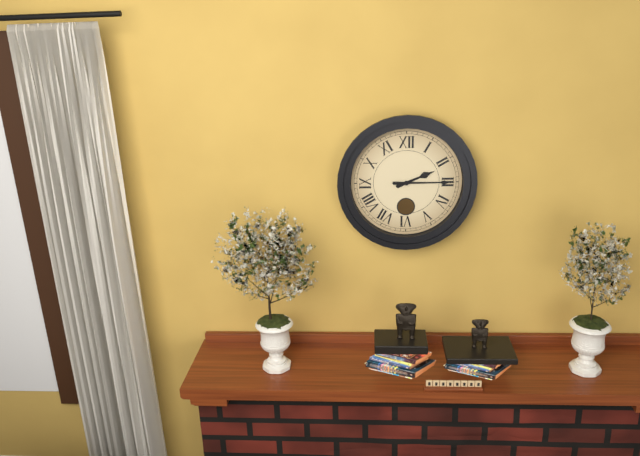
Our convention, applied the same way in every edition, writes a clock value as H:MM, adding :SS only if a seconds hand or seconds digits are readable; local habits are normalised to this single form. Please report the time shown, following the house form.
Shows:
2:15
